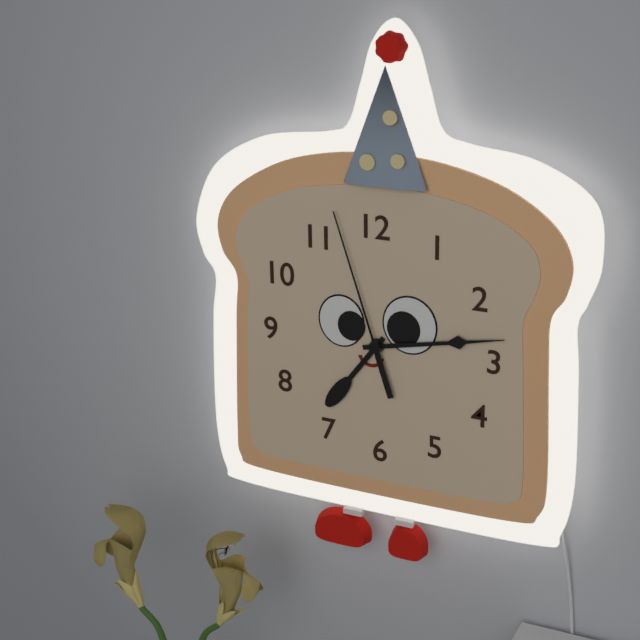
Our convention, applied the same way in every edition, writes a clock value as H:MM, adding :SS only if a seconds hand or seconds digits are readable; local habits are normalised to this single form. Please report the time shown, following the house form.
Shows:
7:13:57
